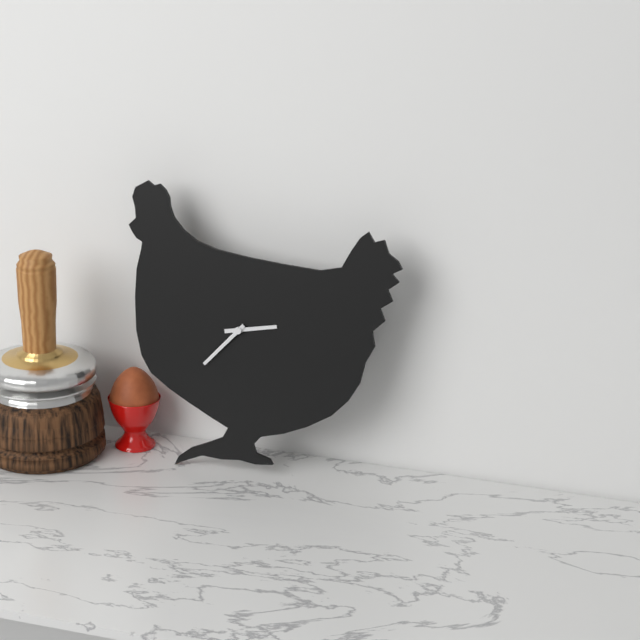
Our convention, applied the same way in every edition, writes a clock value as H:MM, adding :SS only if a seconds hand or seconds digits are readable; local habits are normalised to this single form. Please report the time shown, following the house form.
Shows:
2:37
